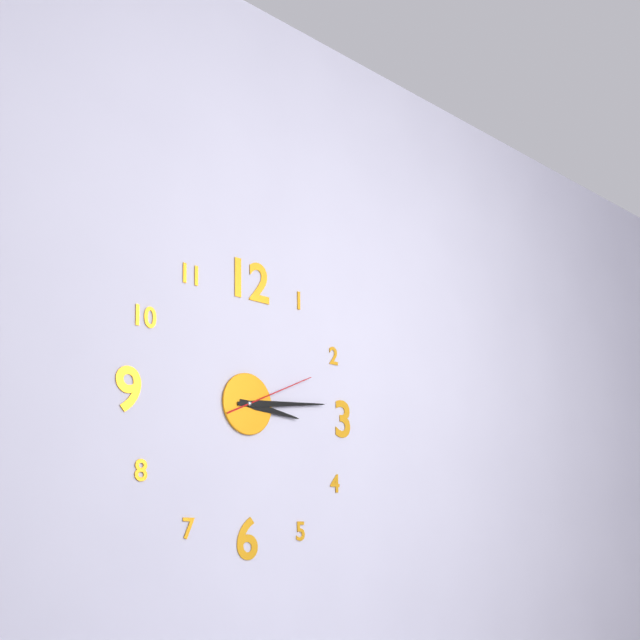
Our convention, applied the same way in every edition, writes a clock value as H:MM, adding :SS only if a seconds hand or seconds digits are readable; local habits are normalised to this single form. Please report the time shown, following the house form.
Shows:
3:14:11
